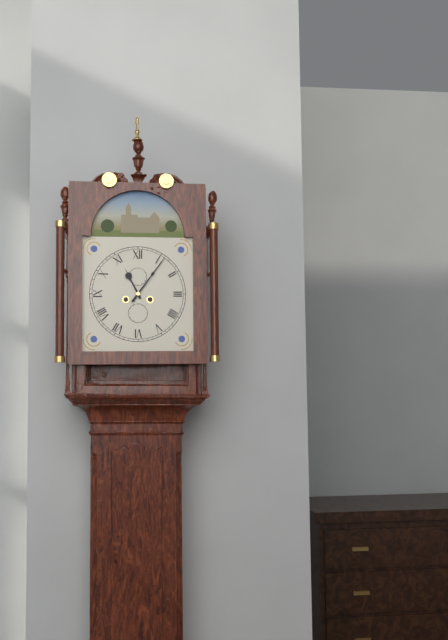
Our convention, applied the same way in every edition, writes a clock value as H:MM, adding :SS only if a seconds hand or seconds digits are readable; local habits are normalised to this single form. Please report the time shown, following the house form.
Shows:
11:06
